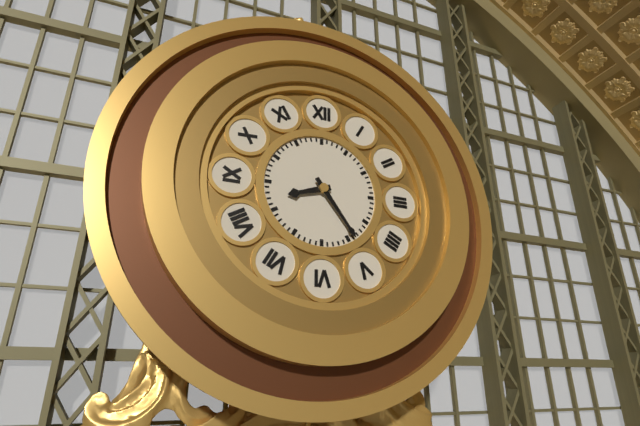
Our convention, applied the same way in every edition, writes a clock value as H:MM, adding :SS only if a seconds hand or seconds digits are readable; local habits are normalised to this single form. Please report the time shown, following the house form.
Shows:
8:24
